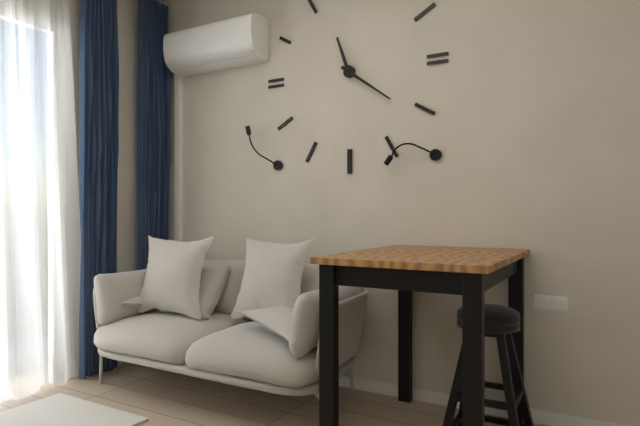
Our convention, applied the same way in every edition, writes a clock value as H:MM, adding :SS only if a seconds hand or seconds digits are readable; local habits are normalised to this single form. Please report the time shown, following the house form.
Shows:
11:21
